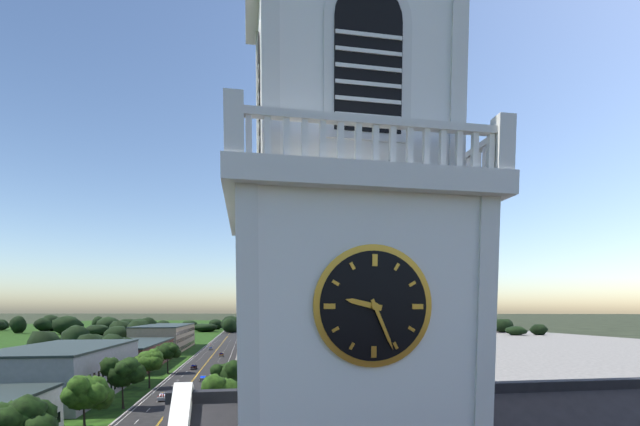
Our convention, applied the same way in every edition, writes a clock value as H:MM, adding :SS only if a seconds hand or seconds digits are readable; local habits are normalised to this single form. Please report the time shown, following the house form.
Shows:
9:26
